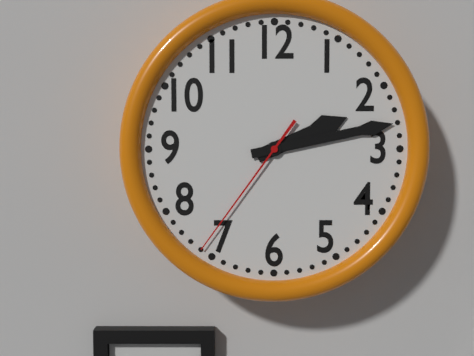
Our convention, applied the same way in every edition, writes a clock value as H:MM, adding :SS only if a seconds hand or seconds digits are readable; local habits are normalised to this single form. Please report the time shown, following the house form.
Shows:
2:13:36
